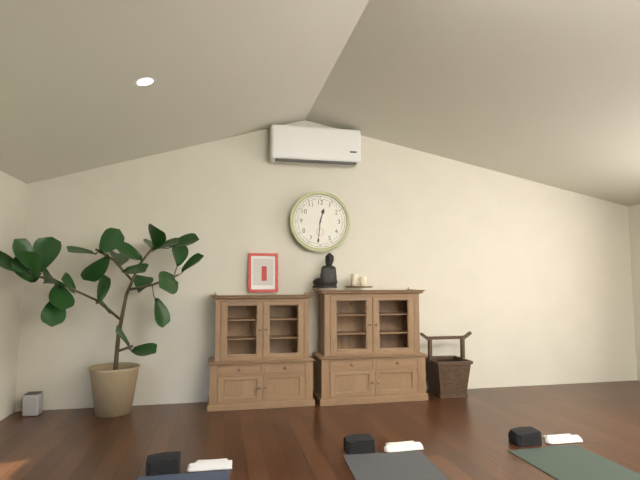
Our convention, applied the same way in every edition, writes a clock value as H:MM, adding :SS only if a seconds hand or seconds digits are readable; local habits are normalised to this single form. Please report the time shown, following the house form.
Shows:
12:31
